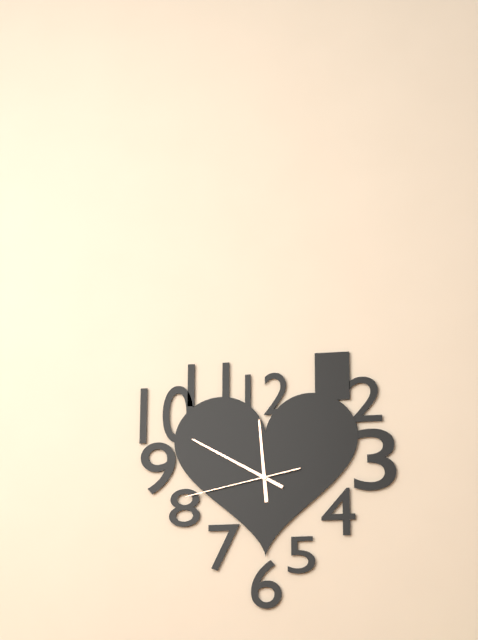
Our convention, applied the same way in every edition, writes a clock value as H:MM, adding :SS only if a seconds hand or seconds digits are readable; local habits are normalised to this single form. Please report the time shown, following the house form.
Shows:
11:50:43
